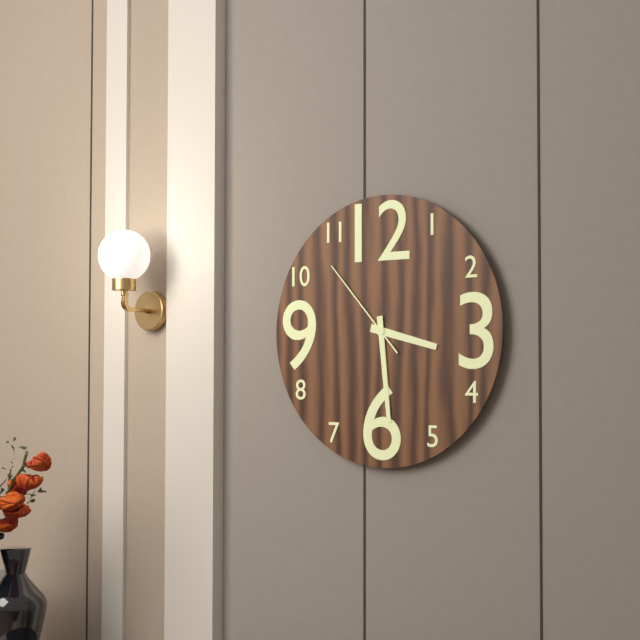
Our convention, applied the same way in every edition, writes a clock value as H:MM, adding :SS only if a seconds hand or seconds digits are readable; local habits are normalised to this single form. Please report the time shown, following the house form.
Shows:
3:29:53
